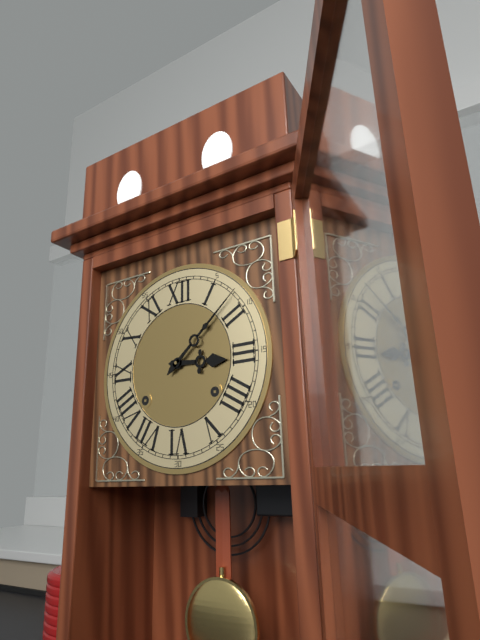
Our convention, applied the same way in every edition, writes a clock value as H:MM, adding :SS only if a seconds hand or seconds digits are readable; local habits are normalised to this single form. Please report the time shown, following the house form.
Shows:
3:08
